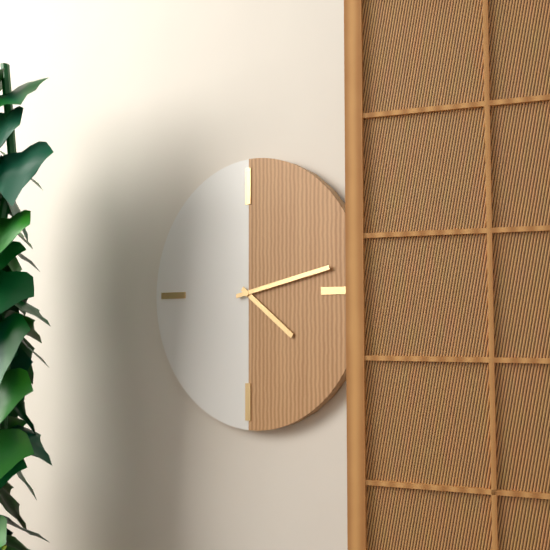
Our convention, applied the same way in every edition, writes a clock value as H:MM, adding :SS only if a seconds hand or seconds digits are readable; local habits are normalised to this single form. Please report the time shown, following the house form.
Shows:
4:13
